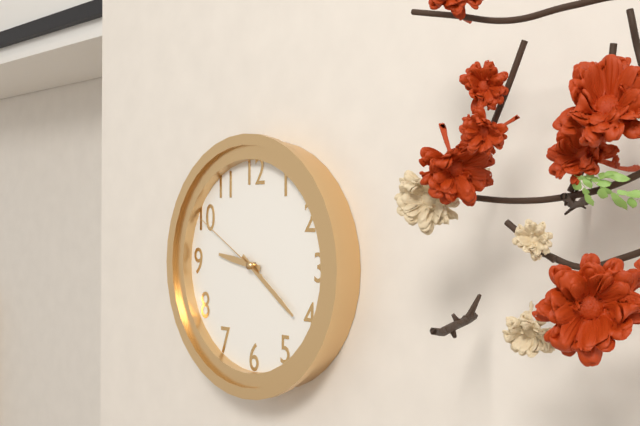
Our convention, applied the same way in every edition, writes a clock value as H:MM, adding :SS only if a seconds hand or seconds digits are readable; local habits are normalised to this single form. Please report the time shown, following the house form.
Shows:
9:21:50
